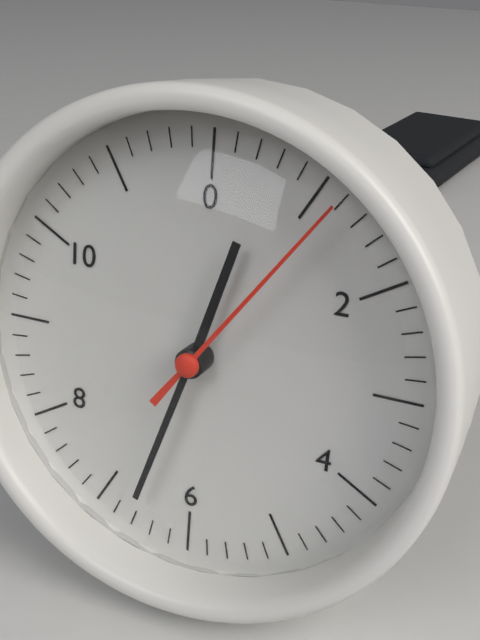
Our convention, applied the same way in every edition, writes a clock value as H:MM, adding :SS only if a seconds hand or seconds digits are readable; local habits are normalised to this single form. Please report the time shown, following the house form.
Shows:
12:33:06
